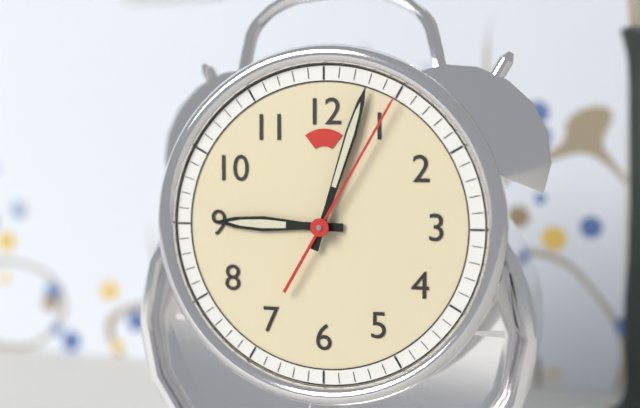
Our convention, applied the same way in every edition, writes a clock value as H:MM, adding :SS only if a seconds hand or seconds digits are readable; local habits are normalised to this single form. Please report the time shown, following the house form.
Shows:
9:03:05
